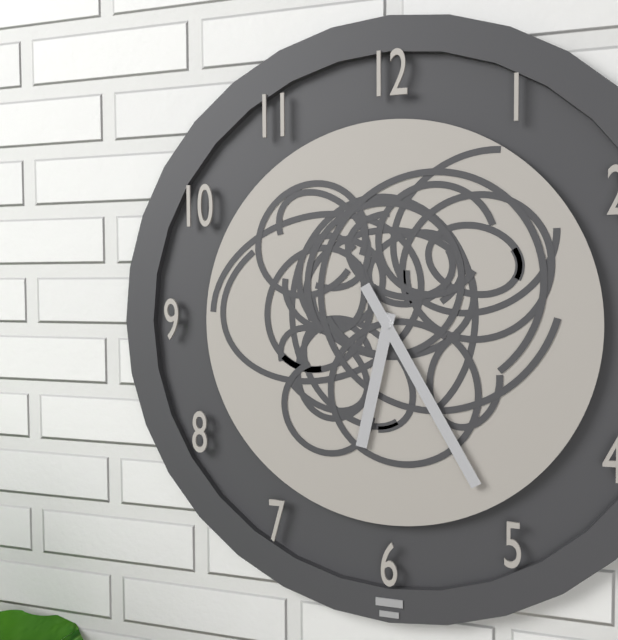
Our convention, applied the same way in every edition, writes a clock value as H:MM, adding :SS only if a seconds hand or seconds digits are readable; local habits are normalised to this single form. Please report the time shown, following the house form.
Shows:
6:25
